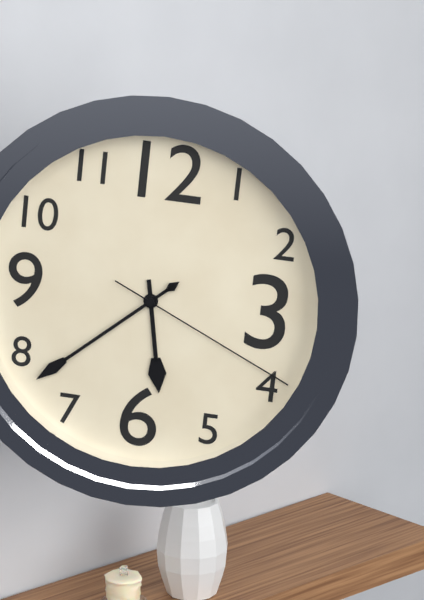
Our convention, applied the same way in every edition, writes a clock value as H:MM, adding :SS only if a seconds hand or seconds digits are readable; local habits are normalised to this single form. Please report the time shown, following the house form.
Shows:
5:38:19
